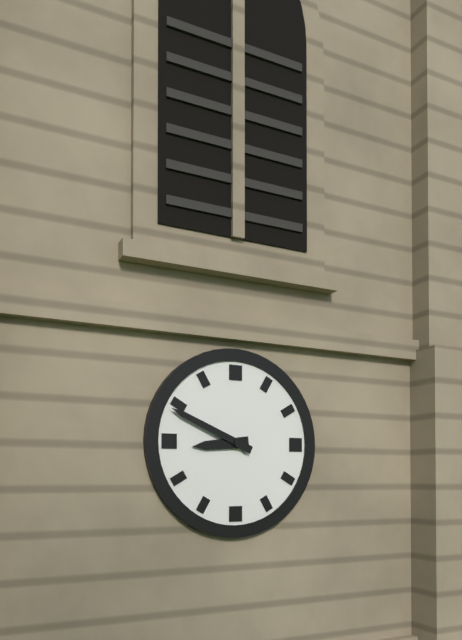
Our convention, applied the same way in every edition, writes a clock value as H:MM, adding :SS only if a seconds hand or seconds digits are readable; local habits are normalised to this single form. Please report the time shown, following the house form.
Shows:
8:49
